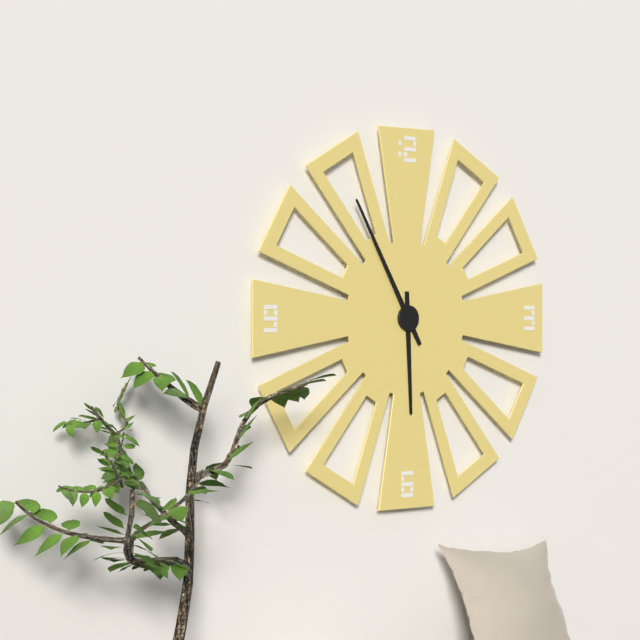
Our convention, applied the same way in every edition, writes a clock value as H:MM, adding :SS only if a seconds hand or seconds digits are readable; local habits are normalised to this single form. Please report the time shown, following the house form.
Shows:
5:55
